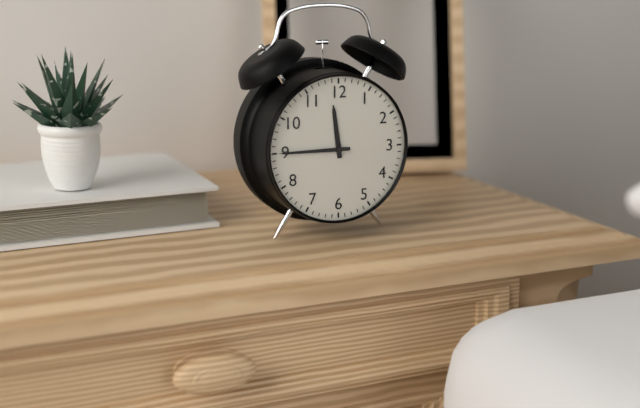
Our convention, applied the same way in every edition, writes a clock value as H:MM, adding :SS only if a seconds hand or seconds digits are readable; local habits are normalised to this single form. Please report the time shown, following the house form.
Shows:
11:45
